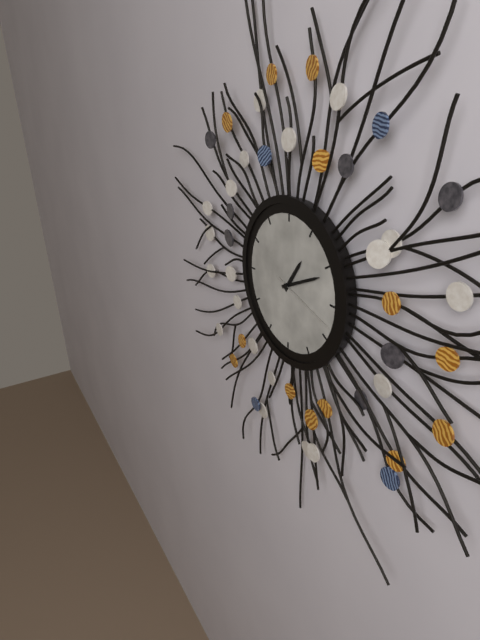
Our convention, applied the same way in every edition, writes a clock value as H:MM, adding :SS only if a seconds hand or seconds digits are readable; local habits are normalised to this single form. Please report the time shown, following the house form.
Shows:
1:11:18
